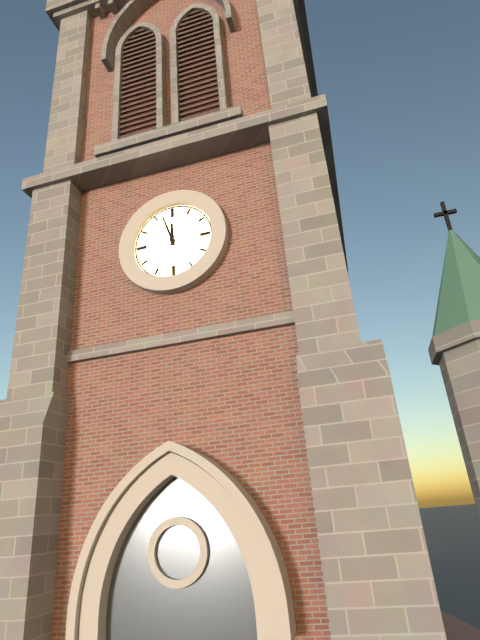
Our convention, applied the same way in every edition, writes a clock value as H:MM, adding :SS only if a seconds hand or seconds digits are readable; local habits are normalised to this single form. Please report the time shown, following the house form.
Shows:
11:57
